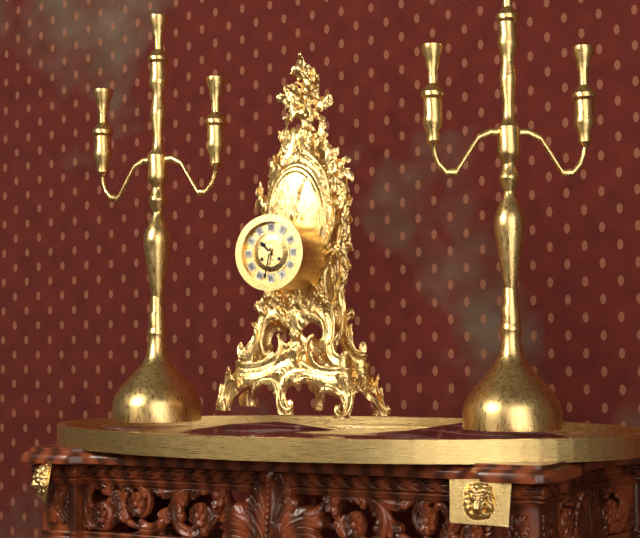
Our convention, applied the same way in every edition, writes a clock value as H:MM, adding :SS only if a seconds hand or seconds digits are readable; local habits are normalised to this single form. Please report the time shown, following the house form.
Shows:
10:32
